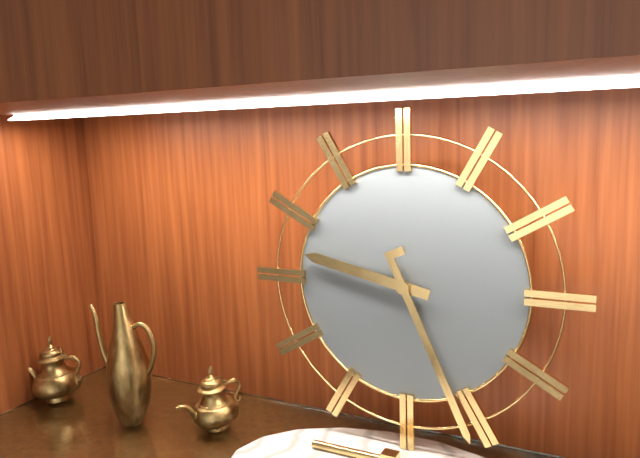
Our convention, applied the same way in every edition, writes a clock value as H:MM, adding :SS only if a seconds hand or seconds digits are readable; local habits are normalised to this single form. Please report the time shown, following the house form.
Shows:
9:26
